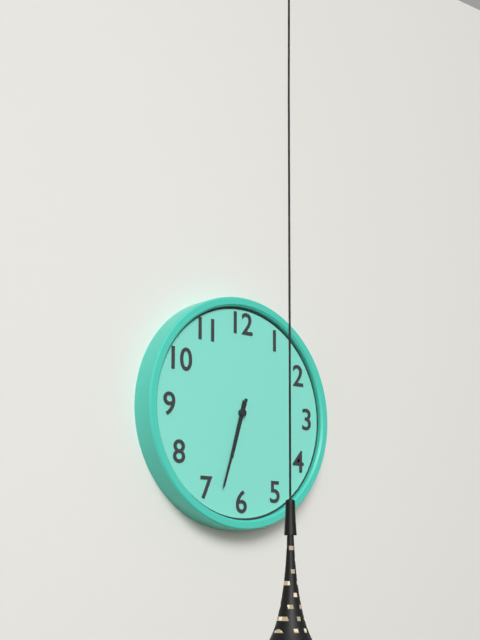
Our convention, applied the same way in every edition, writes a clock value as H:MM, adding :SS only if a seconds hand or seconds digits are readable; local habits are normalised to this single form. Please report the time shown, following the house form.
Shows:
6:33
